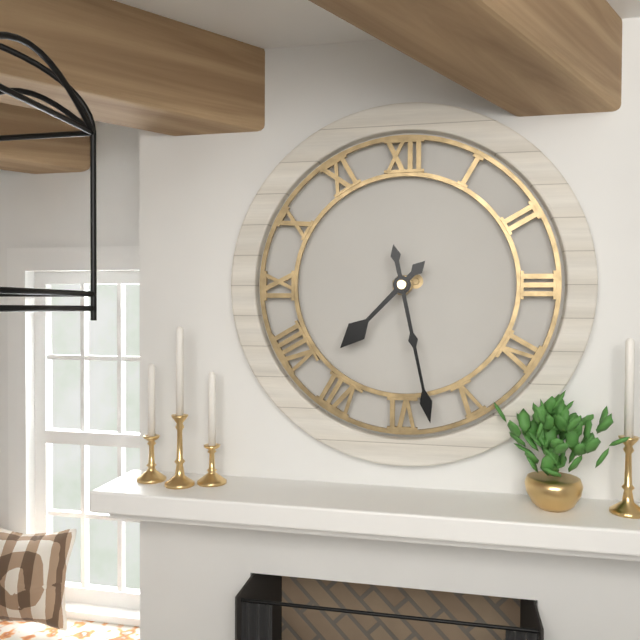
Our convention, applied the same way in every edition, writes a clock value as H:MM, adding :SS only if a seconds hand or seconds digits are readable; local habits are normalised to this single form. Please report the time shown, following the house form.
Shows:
7:28
